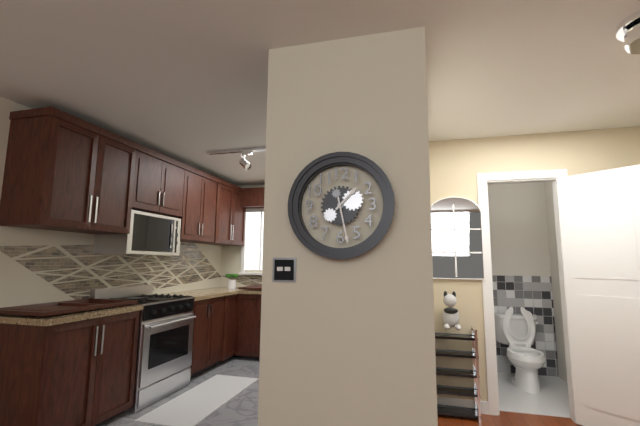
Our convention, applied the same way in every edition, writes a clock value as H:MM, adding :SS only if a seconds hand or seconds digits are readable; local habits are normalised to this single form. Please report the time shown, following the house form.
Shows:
1:28
